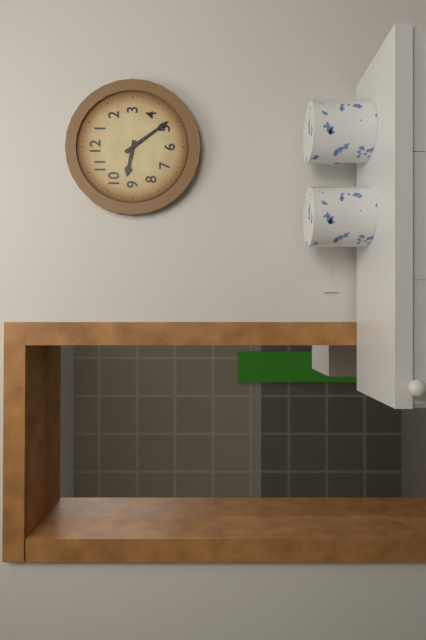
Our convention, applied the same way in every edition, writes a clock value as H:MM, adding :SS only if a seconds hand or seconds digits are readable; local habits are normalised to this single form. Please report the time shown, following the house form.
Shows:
9:24
